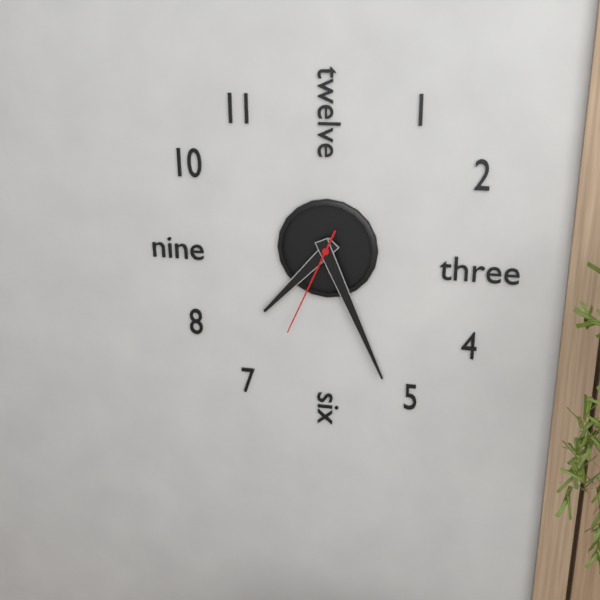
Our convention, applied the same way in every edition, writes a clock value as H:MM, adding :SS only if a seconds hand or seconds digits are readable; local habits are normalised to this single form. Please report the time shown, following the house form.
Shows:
7:26:34
